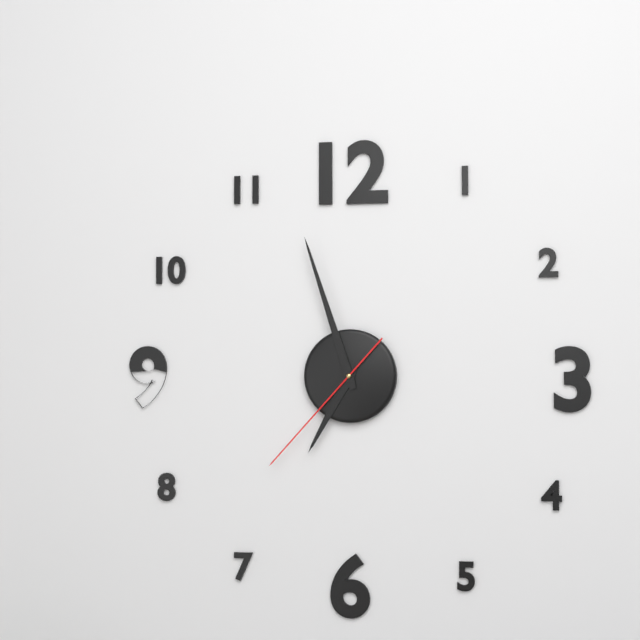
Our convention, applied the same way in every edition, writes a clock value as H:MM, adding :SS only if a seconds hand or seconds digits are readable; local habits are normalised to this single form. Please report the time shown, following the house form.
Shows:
6:57:37
